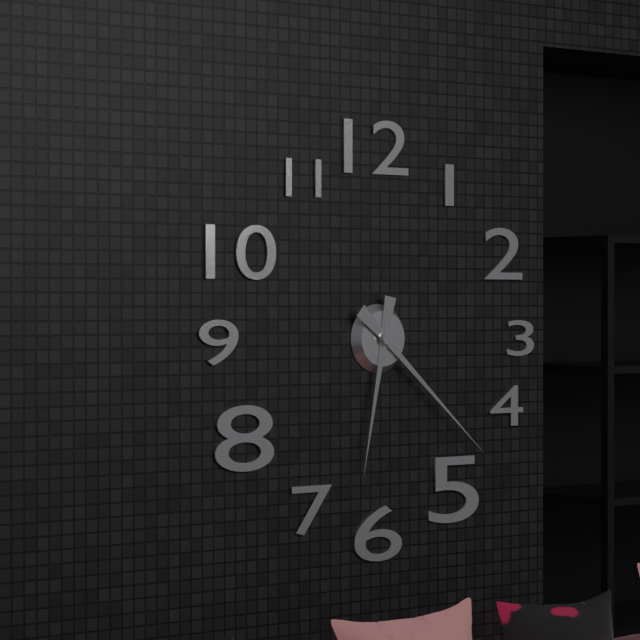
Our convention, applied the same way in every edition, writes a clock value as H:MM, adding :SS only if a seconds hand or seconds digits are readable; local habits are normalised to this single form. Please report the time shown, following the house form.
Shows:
6:22
